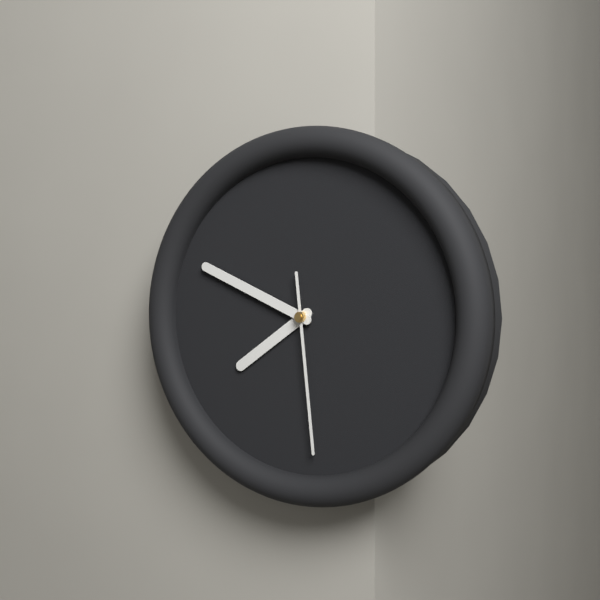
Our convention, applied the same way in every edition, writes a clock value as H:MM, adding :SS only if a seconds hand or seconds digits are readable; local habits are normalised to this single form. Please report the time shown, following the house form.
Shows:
7:49:29
